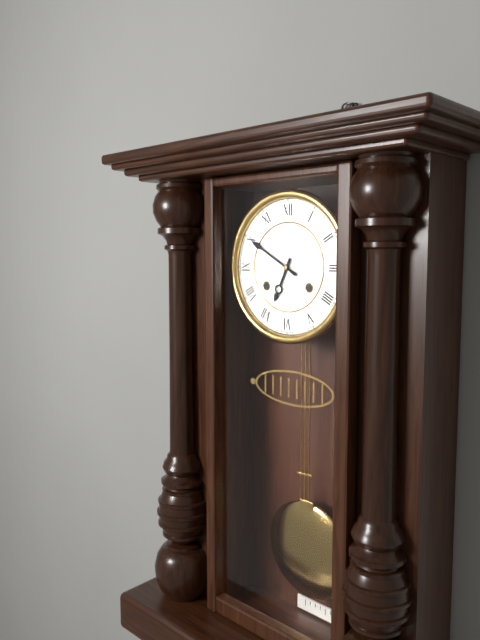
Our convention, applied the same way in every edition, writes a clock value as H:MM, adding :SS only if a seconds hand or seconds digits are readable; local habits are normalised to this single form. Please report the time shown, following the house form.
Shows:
6:50
